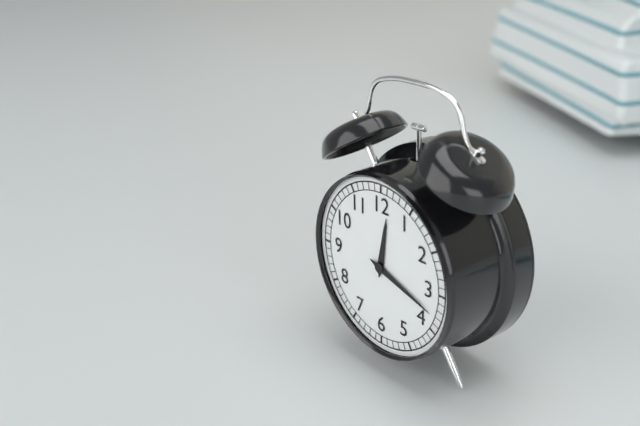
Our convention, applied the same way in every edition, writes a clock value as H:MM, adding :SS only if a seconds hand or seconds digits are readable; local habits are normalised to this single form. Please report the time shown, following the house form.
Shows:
12:18
